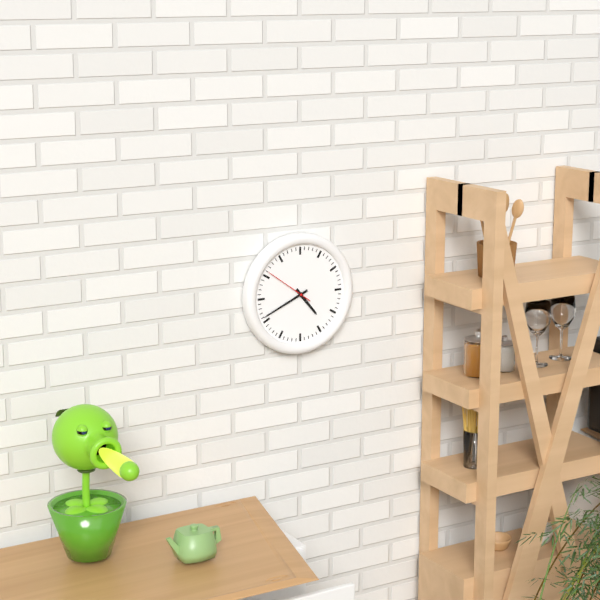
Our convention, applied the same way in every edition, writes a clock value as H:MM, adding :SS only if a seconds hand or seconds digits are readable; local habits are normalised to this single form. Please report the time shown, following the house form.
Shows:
4:41:51
